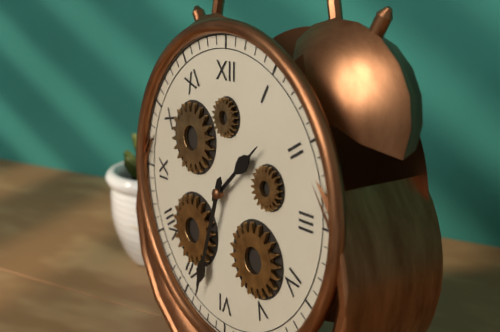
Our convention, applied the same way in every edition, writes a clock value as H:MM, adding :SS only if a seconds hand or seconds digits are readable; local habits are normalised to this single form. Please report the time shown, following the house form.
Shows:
1:33
